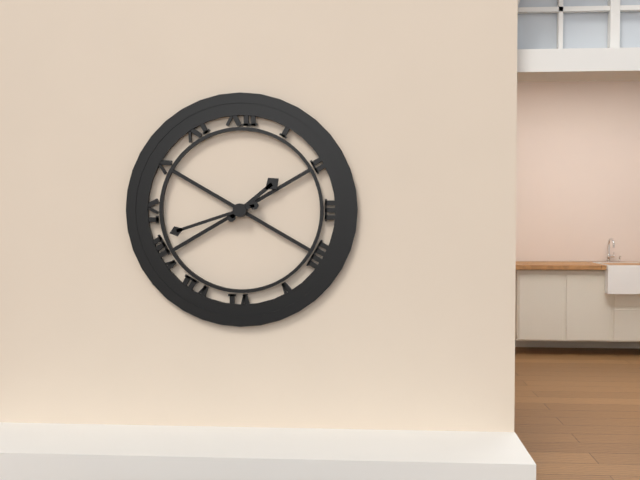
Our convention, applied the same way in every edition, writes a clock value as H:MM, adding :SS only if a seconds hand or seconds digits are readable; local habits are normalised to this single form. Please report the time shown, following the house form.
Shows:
1:42
